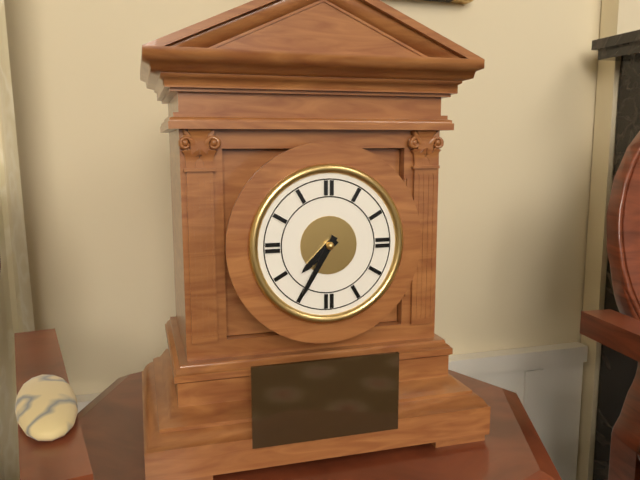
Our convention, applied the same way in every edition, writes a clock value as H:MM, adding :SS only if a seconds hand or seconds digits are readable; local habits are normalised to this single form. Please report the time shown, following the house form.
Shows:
7:35
